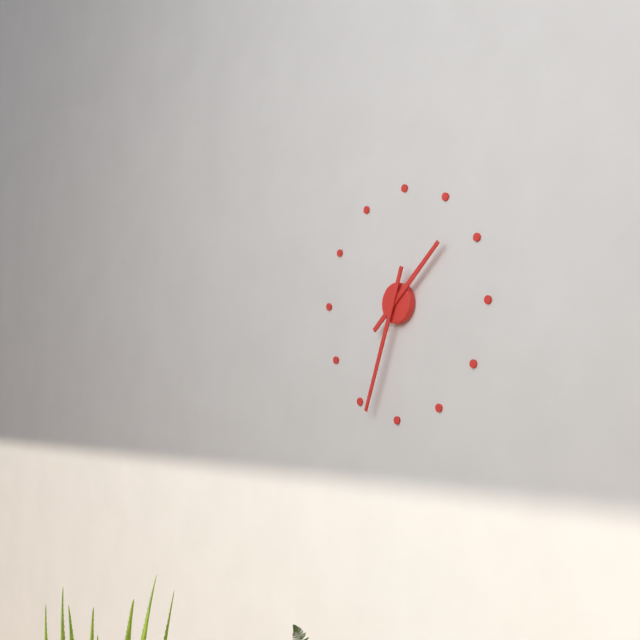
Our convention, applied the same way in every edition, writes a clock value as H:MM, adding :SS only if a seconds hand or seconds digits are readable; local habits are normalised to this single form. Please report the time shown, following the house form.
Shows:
1:33
